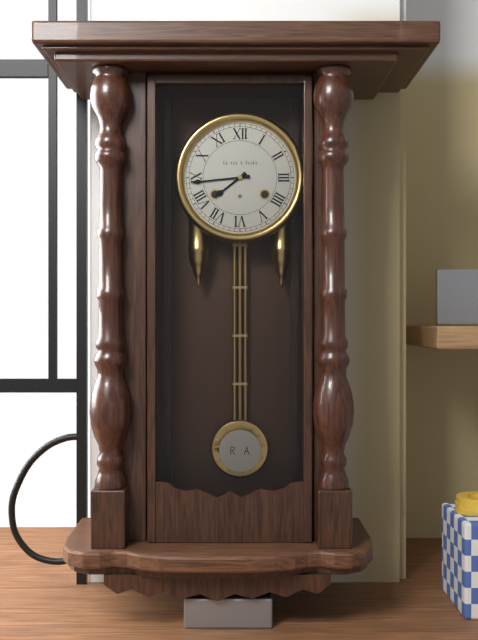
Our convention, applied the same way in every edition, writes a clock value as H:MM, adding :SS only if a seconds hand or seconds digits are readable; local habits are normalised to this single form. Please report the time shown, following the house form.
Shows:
7:44
